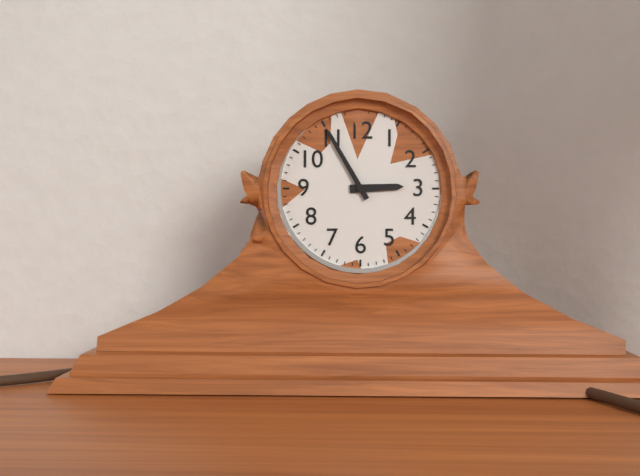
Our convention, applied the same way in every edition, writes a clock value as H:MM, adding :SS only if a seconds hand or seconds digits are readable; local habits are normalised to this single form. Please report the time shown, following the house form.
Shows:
2:55
